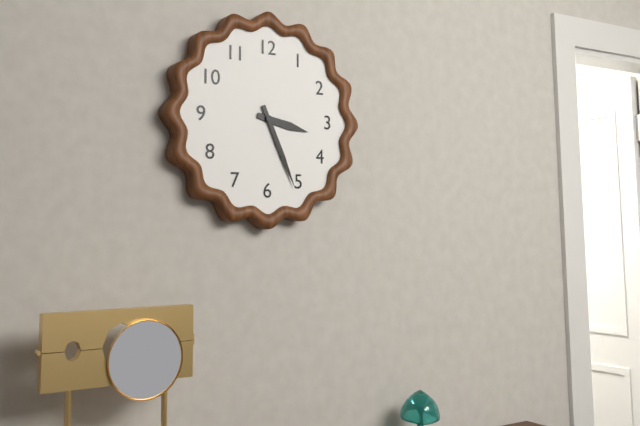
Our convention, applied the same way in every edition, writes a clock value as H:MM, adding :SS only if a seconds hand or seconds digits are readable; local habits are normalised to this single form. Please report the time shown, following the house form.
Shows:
3:26
